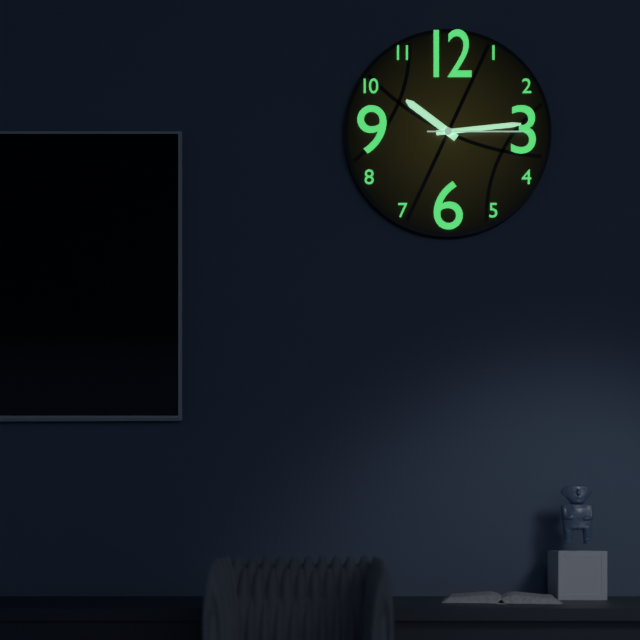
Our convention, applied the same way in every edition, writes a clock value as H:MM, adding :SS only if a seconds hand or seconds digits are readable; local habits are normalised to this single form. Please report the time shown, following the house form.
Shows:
10:14:15
